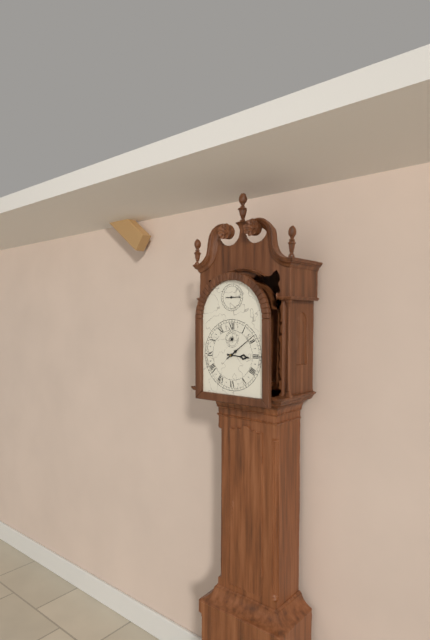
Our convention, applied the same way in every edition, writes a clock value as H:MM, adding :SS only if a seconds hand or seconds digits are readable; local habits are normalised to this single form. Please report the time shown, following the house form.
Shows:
3:09
